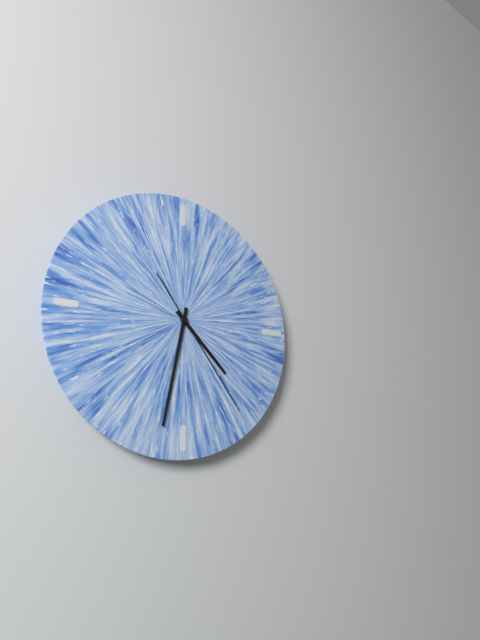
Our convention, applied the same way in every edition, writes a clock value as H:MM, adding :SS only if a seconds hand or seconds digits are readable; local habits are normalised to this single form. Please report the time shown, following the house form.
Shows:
4:32:24
